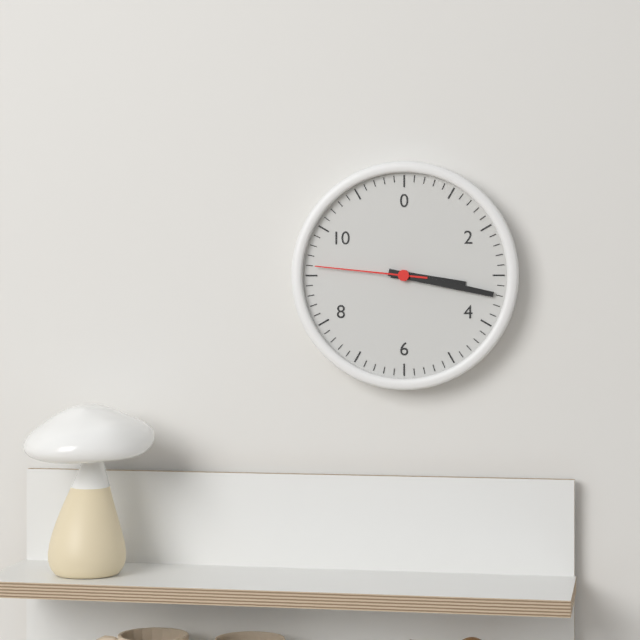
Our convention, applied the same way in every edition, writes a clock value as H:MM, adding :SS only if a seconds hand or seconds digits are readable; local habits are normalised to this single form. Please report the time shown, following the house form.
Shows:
3:17:46
